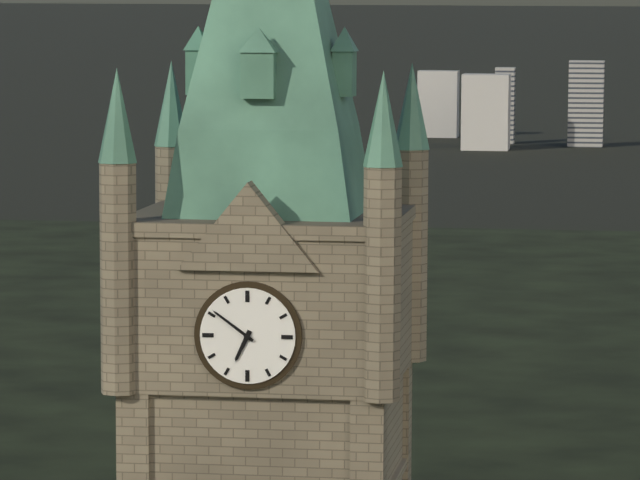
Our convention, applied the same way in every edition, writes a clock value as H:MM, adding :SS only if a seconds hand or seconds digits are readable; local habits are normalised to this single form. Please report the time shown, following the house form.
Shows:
6:51
